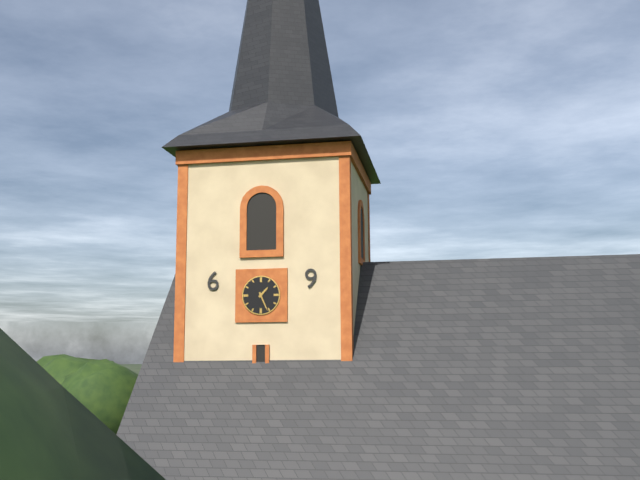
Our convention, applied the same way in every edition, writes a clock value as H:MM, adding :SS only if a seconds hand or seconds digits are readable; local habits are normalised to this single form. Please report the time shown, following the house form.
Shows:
1:26
